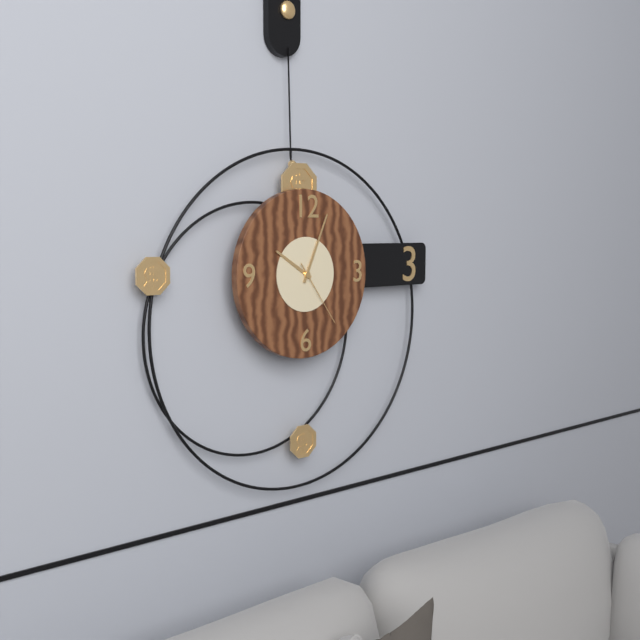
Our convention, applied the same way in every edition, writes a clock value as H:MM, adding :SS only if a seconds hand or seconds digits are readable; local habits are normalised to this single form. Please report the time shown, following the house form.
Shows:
10:04:24
